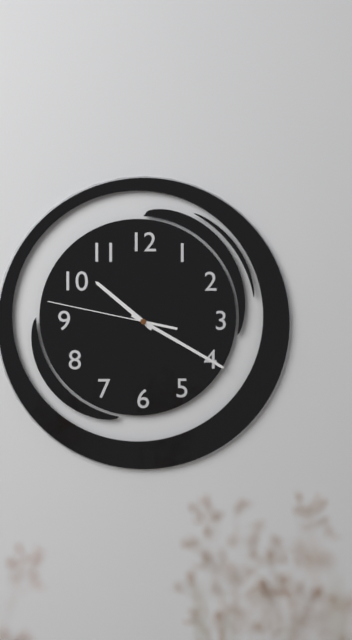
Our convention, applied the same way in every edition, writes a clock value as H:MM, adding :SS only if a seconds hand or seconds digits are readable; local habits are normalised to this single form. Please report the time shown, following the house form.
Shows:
10:20:47
